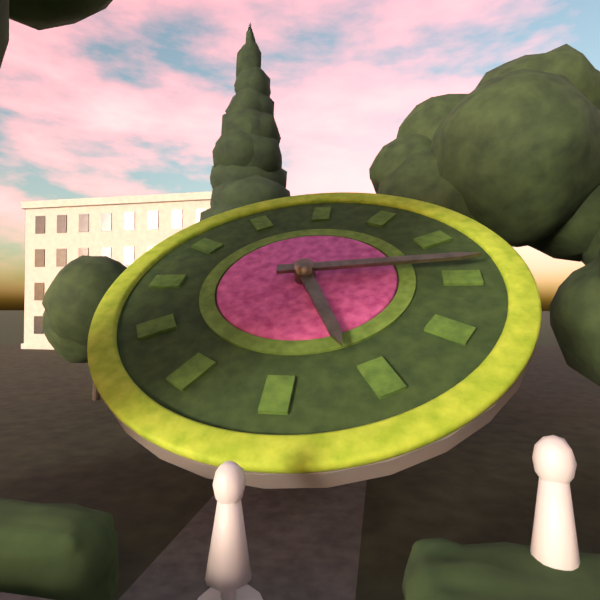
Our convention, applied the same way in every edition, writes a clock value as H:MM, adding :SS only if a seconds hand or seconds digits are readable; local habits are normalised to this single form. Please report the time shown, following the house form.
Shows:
5:14
